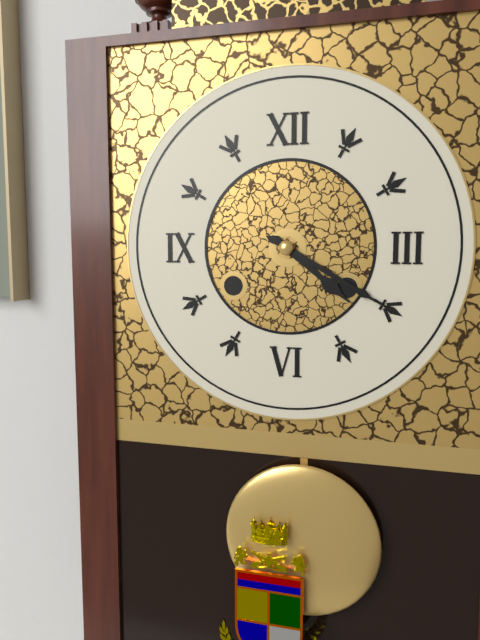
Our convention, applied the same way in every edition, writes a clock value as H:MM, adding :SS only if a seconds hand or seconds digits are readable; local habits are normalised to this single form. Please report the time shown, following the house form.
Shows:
4:20
